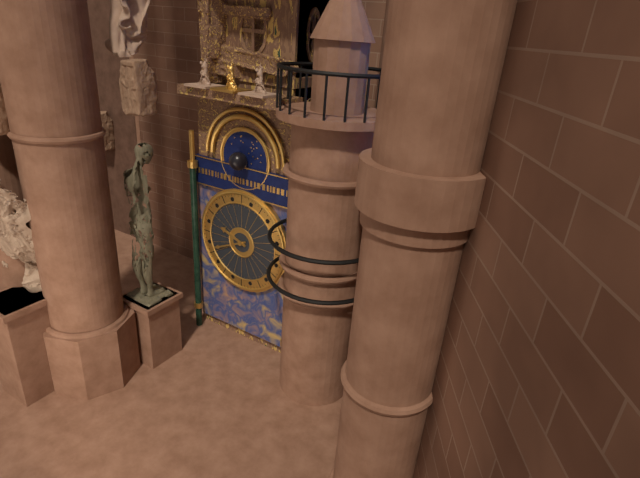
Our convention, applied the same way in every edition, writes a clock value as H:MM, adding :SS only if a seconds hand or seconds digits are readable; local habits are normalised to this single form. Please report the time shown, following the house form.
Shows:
9:41
